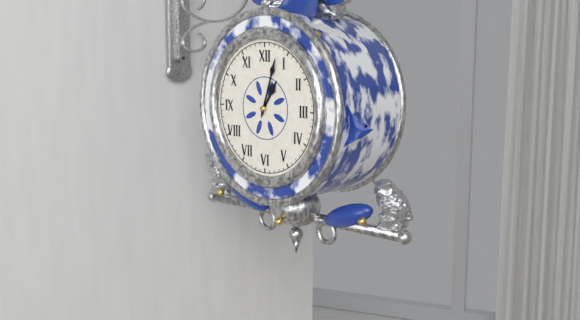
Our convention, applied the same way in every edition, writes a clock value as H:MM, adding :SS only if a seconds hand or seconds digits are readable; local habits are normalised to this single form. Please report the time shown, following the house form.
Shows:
1:03
